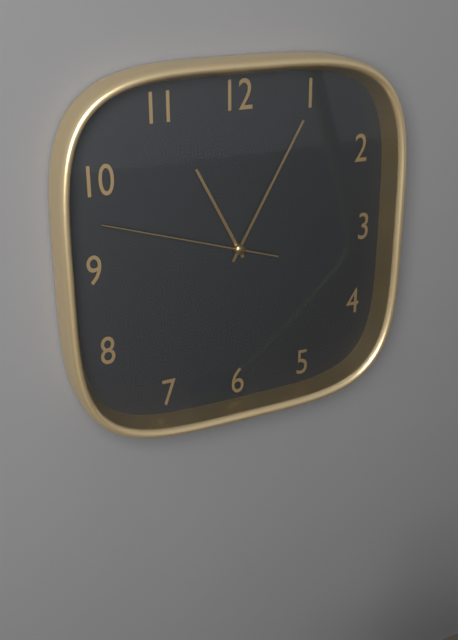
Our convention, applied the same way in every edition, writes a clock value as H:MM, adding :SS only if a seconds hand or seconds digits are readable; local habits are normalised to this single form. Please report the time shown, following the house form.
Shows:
11:05:48
